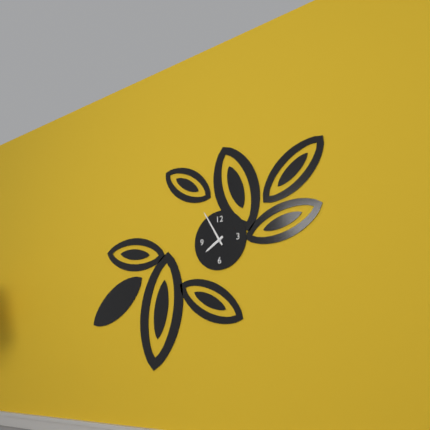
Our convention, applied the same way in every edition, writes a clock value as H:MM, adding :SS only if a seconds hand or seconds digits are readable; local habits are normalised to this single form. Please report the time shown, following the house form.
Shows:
7:55
